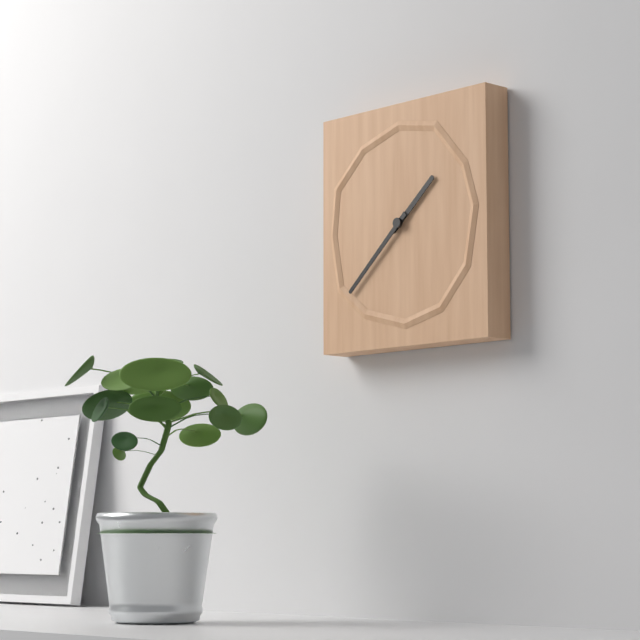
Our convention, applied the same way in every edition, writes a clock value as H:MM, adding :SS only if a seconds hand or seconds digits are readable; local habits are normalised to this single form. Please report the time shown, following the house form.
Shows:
1:38
